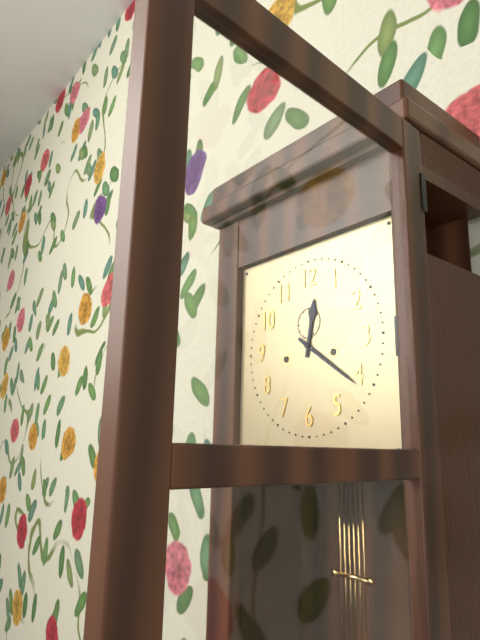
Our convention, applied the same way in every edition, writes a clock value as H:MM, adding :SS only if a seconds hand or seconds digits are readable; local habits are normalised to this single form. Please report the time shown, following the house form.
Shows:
12:21
